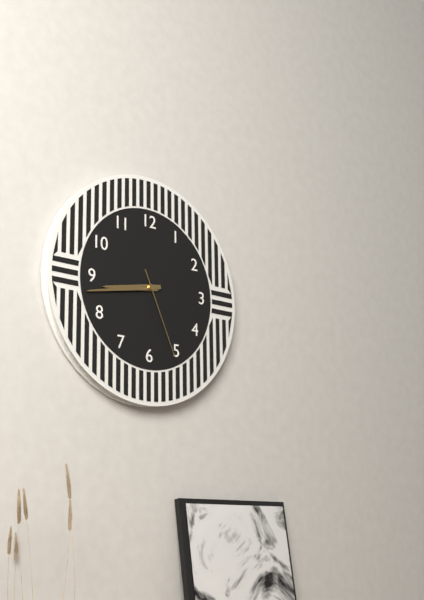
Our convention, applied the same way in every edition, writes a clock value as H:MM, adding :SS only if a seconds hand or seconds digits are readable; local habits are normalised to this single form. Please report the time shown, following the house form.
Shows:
8:43:26
